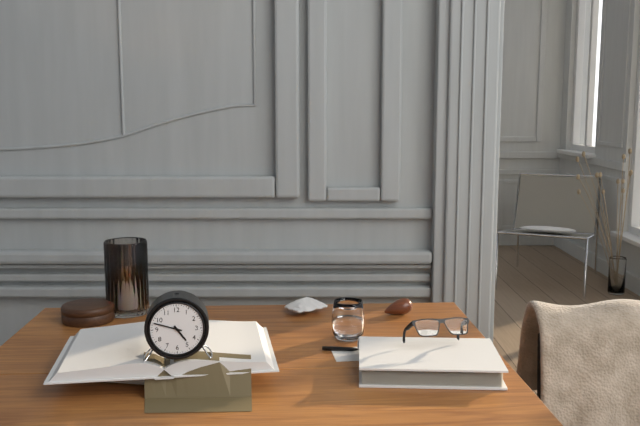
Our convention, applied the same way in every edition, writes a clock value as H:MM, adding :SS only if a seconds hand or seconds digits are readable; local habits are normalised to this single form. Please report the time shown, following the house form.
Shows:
4:48
